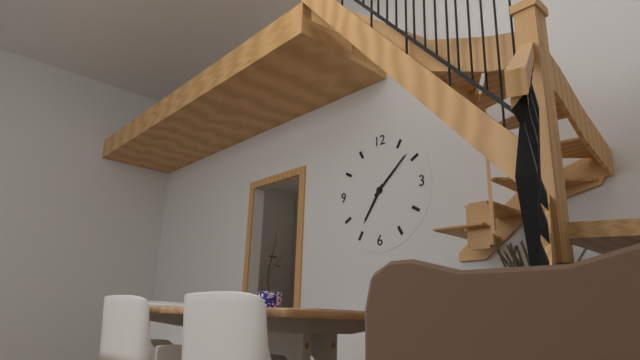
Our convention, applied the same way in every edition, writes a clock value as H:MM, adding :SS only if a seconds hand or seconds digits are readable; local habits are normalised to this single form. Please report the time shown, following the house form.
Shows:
7:08
